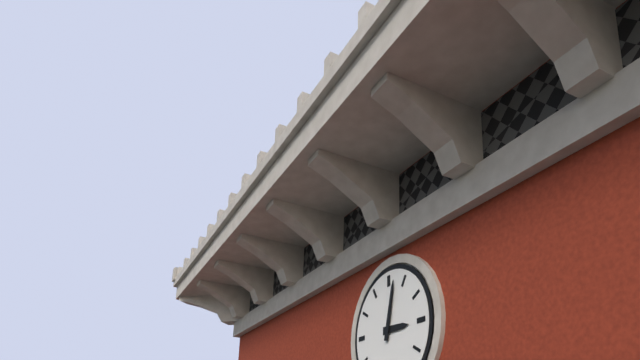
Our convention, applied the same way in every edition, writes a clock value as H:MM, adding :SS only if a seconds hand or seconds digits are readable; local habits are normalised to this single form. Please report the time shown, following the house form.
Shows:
3:02
